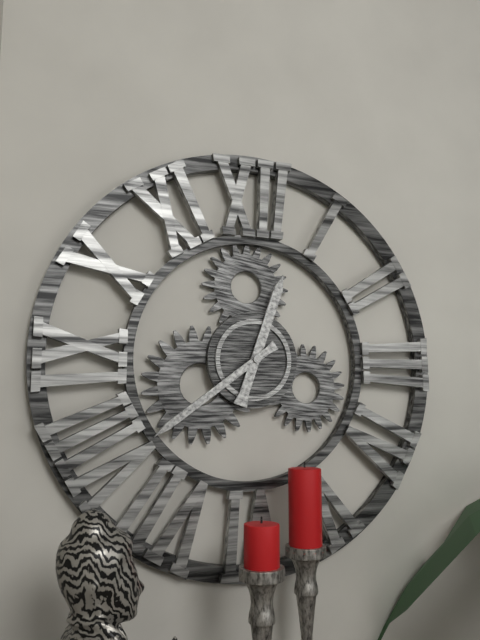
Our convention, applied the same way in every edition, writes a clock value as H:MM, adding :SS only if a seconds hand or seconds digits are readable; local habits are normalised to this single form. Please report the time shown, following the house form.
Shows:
12:39
